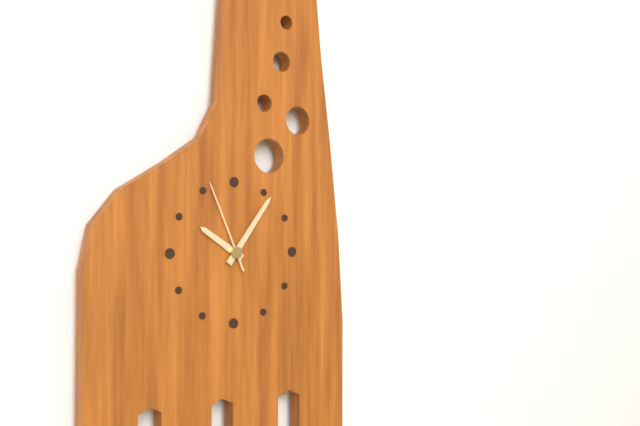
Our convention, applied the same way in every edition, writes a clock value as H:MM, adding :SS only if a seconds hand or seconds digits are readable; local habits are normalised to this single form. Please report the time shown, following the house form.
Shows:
10:06:56
